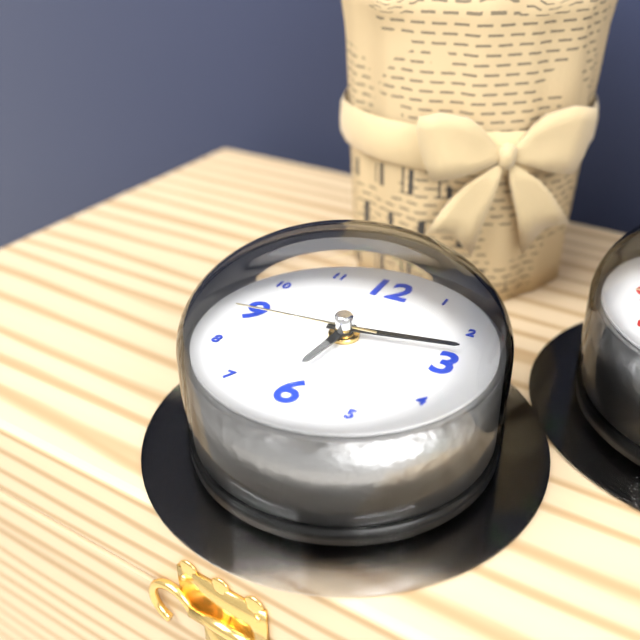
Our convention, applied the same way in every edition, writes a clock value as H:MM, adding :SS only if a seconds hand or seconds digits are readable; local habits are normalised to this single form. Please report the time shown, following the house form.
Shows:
6:13:44
